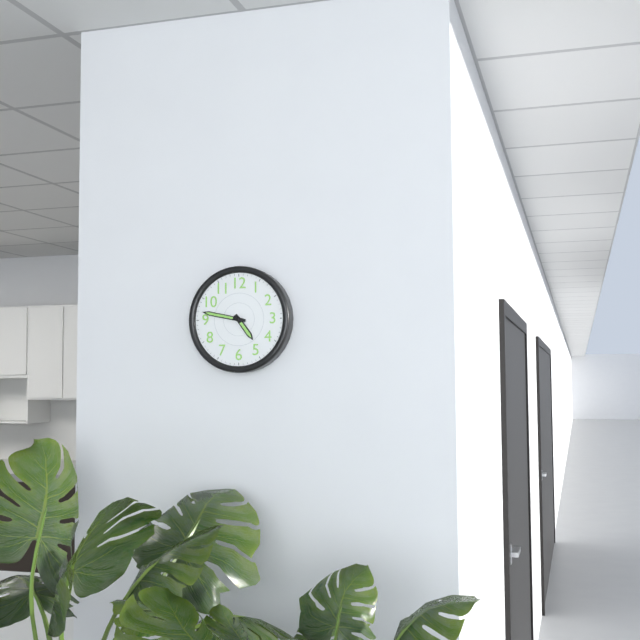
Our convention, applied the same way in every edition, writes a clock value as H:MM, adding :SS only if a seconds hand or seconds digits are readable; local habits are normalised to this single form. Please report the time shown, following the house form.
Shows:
4:47
